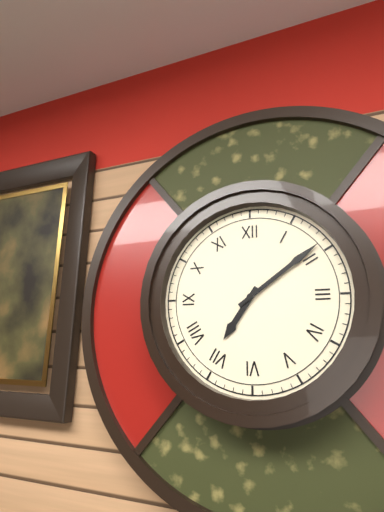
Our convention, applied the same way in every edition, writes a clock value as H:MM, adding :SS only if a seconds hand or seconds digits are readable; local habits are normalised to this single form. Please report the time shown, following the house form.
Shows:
7:09
